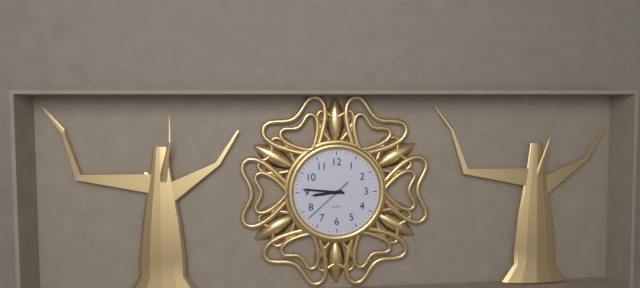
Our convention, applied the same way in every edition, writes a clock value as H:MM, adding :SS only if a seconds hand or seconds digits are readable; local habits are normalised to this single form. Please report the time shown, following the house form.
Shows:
8:46
